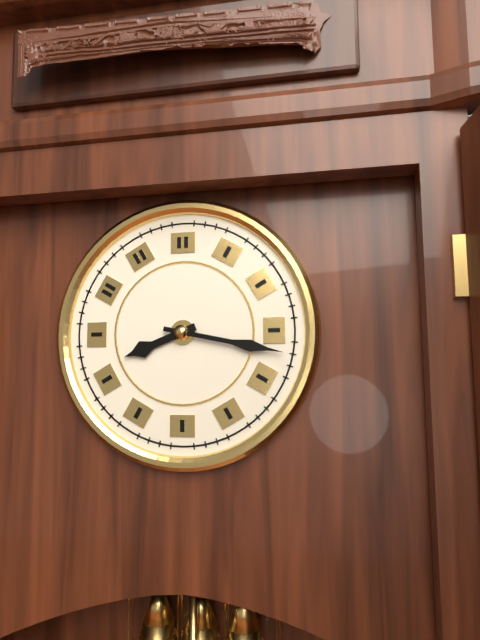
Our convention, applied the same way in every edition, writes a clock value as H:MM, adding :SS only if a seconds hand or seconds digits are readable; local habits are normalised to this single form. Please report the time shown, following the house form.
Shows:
8:17
